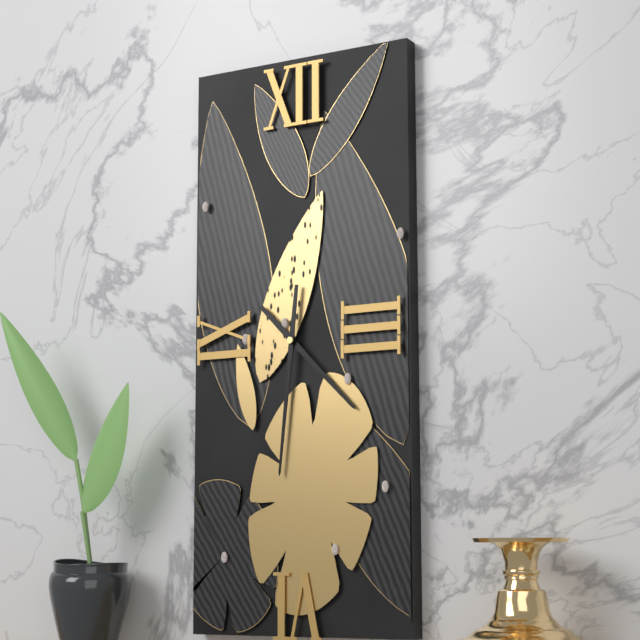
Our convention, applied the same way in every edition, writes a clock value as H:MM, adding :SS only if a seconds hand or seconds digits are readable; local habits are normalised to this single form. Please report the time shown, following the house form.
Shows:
4:31
